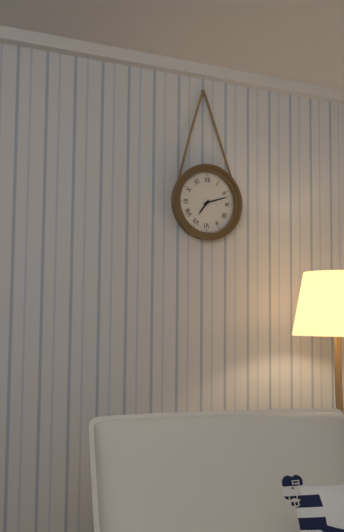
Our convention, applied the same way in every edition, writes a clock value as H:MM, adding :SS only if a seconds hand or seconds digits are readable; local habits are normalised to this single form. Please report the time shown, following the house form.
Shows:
7:12
